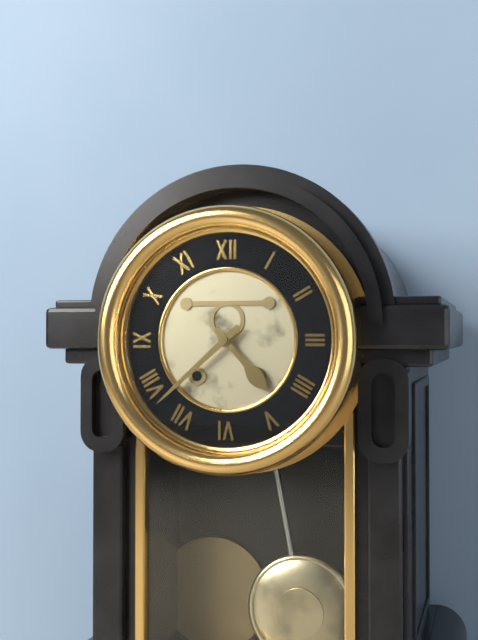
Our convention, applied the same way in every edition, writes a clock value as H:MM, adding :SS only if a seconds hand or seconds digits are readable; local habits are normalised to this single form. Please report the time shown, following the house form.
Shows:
4:38
